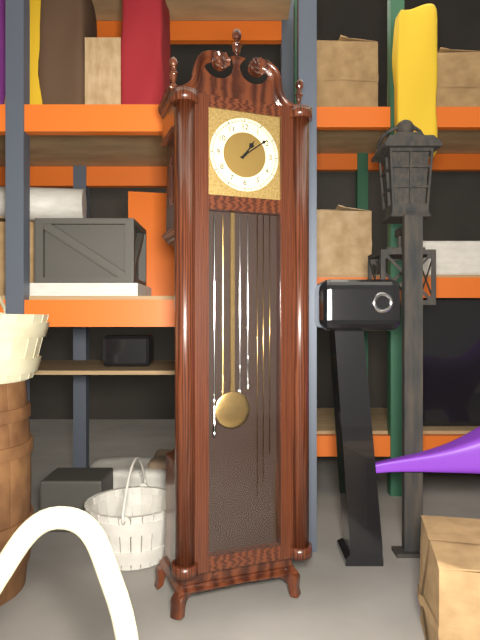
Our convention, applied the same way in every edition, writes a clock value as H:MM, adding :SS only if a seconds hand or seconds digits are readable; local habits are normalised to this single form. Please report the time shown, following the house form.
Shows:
1:09
